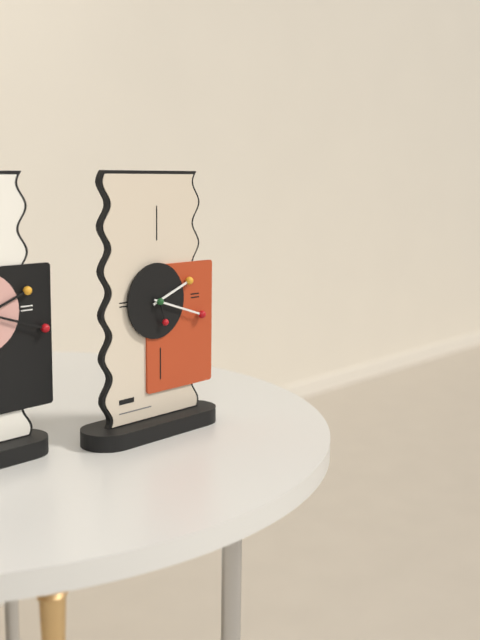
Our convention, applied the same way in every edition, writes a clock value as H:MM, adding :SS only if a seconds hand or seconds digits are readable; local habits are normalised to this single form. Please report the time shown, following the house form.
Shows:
2:18
